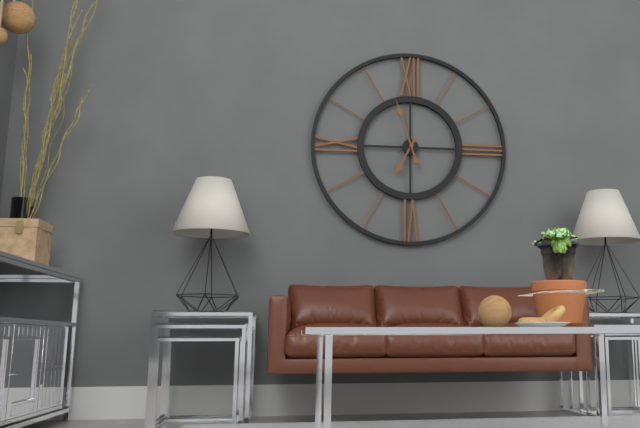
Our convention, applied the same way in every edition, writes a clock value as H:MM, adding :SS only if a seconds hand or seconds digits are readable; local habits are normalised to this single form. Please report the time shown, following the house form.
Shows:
6:57
